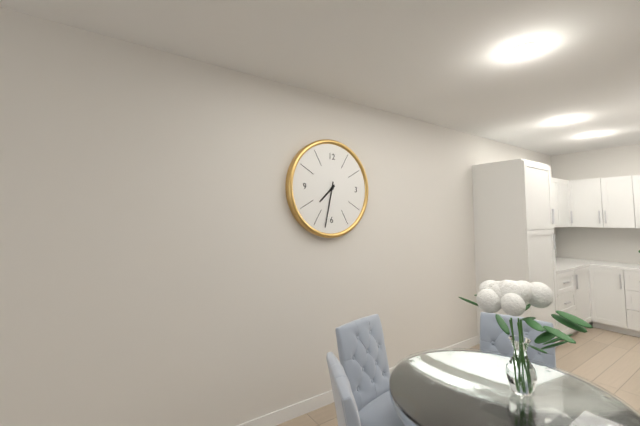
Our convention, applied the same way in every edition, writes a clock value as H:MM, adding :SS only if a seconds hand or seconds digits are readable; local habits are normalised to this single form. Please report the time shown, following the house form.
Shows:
7:32
